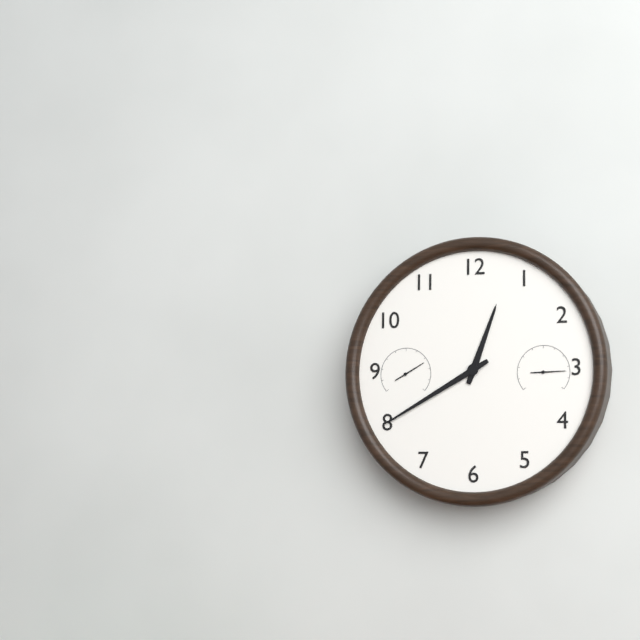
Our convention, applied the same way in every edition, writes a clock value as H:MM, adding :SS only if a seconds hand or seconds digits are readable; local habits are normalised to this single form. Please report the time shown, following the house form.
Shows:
12:40
